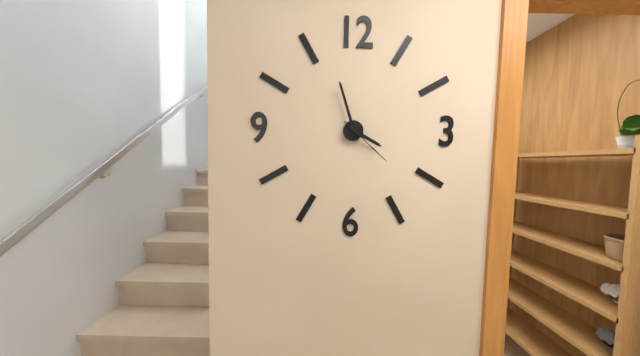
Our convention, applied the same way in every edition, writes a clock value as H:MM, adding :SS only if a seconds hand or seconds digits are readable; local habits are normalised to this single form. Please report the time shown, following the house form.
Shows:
3:57:22
